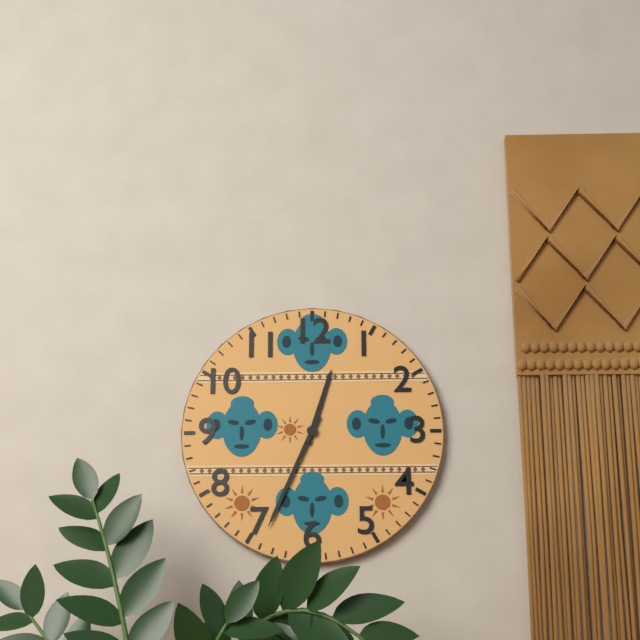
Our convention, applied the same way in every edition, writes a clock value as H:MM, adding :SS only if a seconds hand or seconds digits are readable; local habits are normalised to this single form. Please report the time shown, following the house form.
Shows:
12:34
